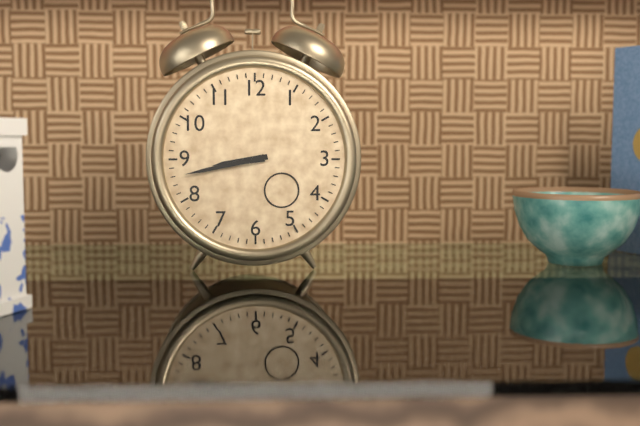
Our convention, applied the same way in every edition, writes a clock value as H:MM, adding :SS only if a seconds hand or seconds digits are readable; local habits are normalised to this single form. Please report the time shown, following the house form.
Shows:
8:43
